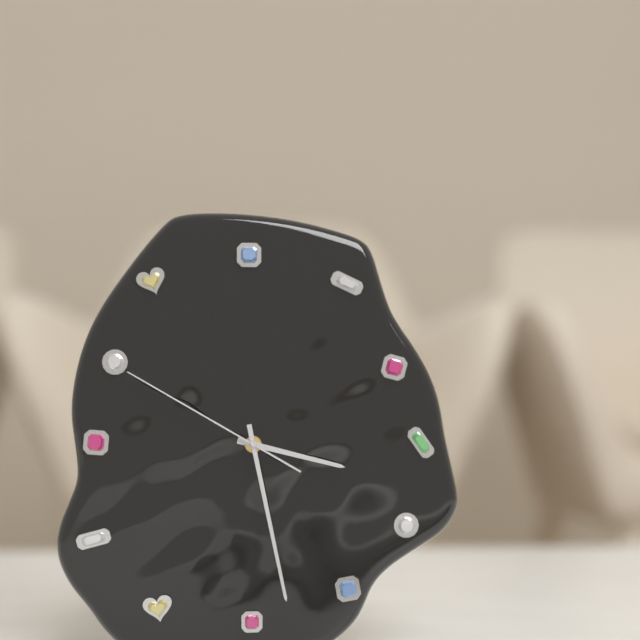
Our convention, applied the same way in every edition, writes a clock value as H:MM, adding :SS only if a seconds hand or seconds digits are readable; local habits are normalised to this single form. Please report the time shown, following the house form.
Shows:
3:28:50
